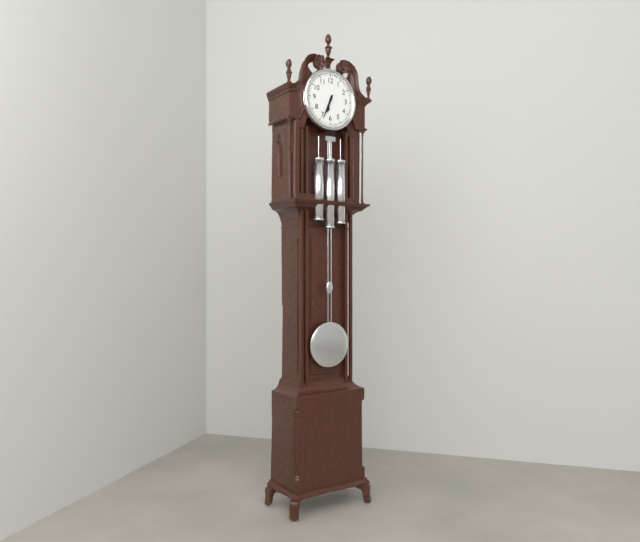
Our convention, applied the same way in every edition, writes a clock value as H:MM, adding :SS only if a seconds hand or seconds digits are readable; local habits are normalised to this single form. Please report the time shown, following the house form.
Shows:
6:34
